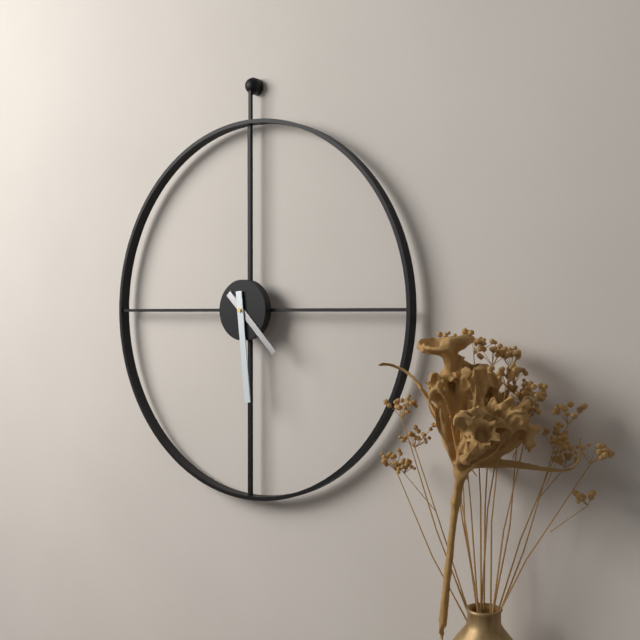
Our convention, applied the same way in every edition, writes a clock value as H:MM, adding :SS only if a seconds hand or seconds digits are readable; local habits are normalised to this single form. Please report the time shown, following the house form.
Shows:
4:29
